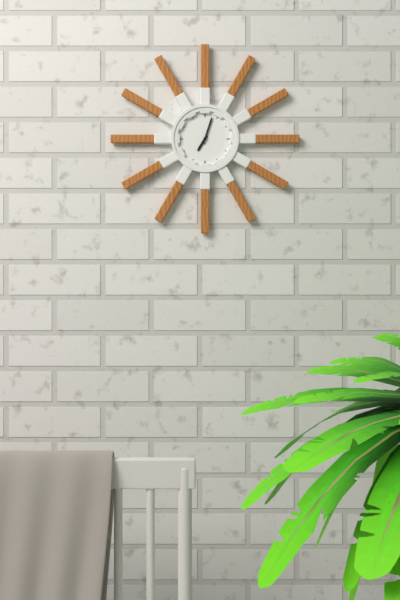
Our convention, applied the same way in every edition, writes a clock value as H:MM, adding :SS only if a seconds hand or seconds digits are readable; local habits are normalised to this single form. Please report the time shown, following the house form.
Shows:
7:03
